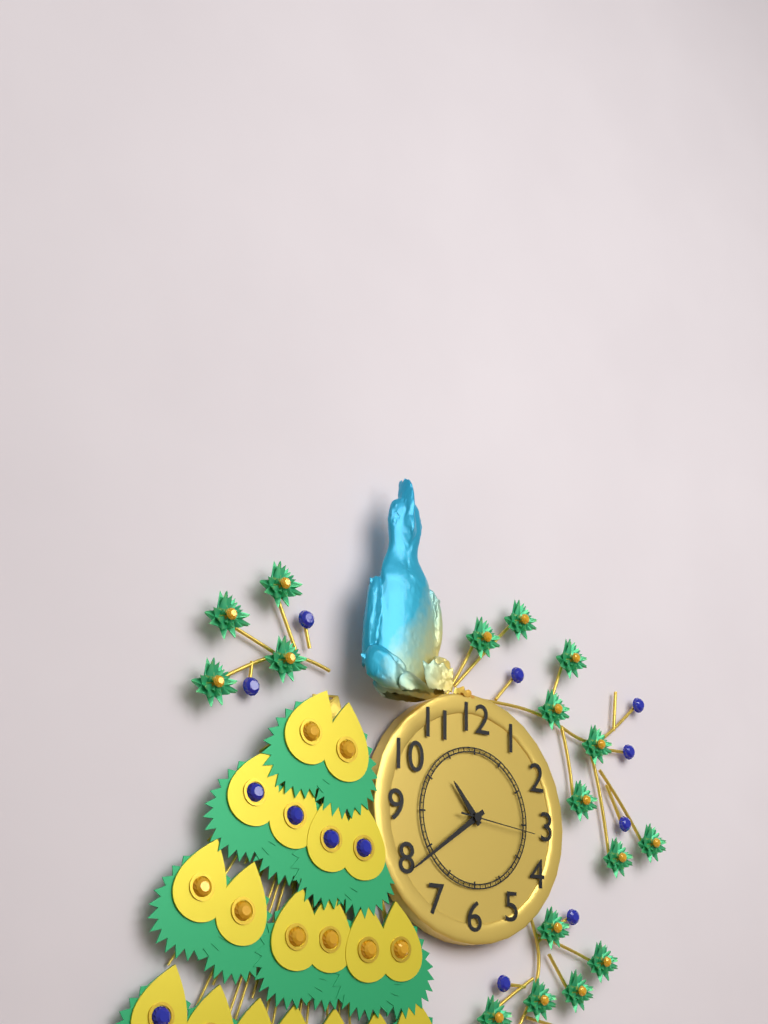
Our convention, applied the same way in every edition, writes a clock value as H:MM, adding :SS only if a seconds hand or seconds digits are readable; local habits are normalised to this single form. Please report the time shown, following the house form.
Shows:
10:39:16
